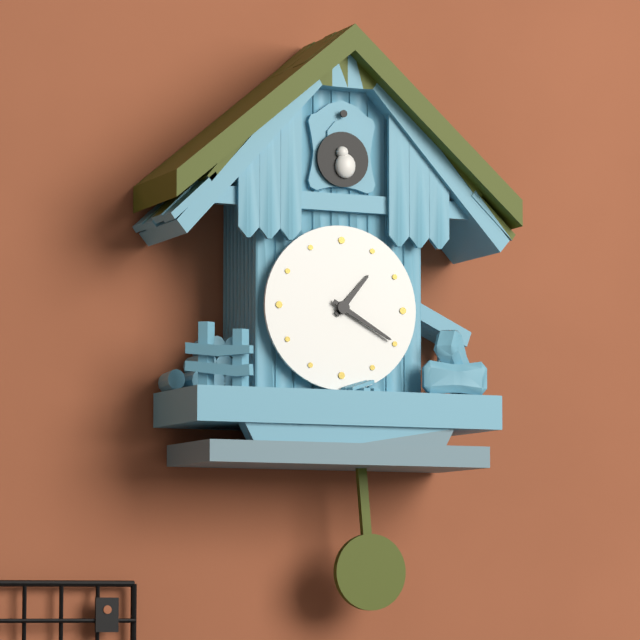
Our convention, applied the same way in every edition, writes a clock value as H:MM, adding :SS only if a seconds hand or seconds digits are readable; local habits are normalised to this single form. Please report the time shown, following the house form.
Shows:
1:20
